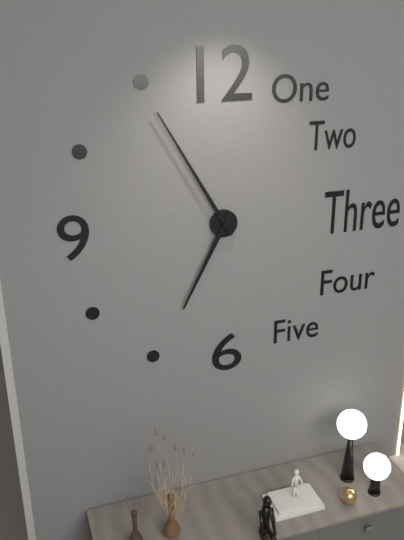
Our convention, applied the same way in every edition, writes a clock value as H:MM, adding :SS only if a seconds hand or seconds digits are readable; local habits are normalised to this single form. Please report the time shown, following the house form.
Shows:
6:55
